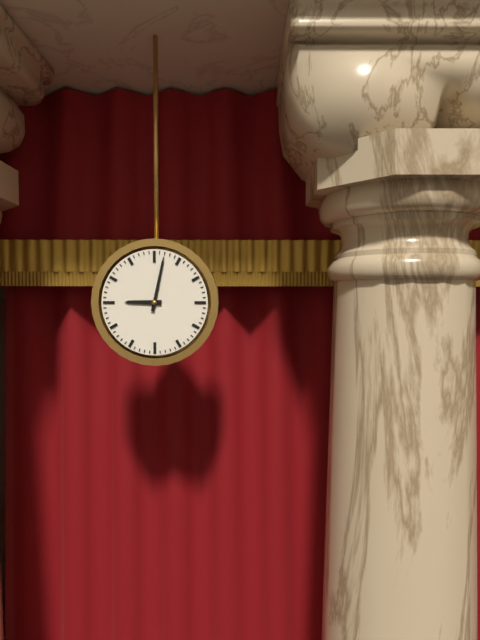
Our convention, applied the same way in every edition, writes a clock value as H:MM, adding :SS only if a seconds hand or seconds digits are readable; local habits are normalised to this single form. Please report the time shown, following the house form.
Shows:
9:02
